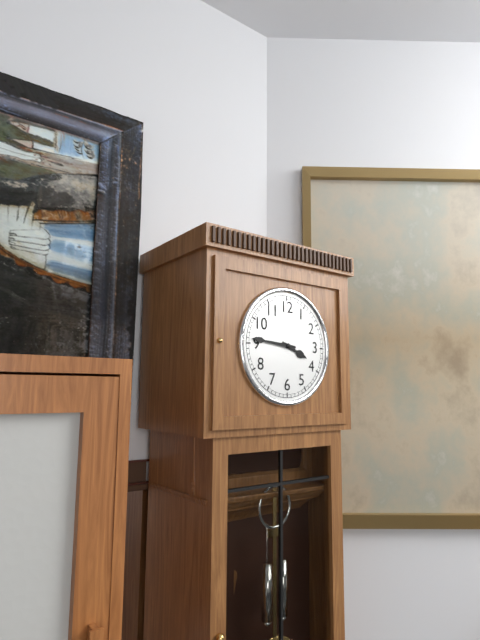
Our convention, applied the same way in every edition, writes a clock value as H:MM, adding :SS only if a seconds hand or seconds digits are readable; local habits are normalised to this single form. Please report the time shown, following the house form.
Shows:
3:46
